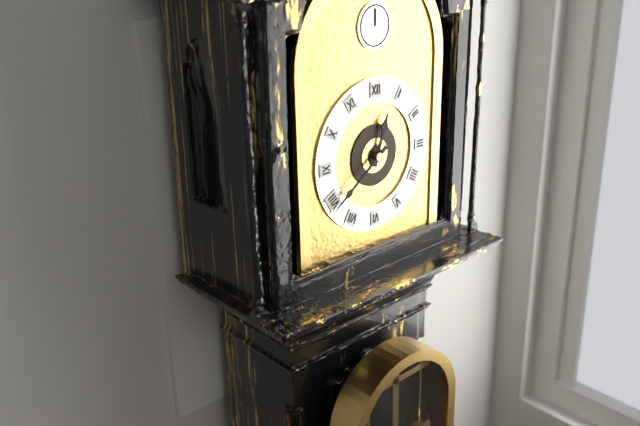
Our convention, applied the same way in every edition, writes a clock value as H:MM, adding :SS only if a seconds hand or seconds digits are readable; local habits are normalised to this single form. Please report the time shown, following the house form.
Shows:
12:39
